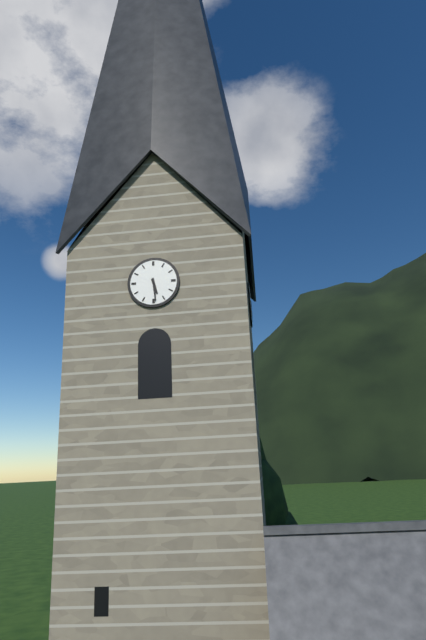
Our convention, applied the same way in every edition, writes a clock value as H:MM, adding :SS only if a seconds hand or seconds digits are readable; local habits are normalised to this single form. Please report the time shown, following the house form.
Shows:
5:29
